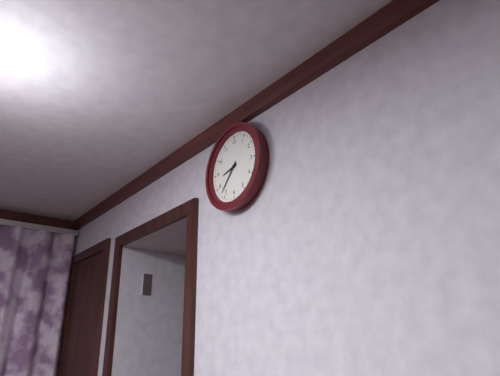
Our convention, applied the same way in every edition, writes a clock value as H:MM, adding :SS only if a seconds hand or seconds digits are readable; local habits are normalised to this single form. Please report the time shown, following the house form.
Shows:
8:37
